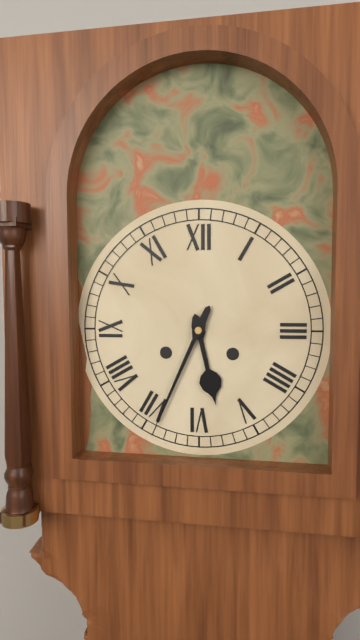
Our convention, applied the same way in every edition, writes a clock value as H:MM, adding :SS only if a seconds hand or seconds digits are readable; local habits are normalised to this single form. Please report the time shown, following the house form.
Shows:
5:34
